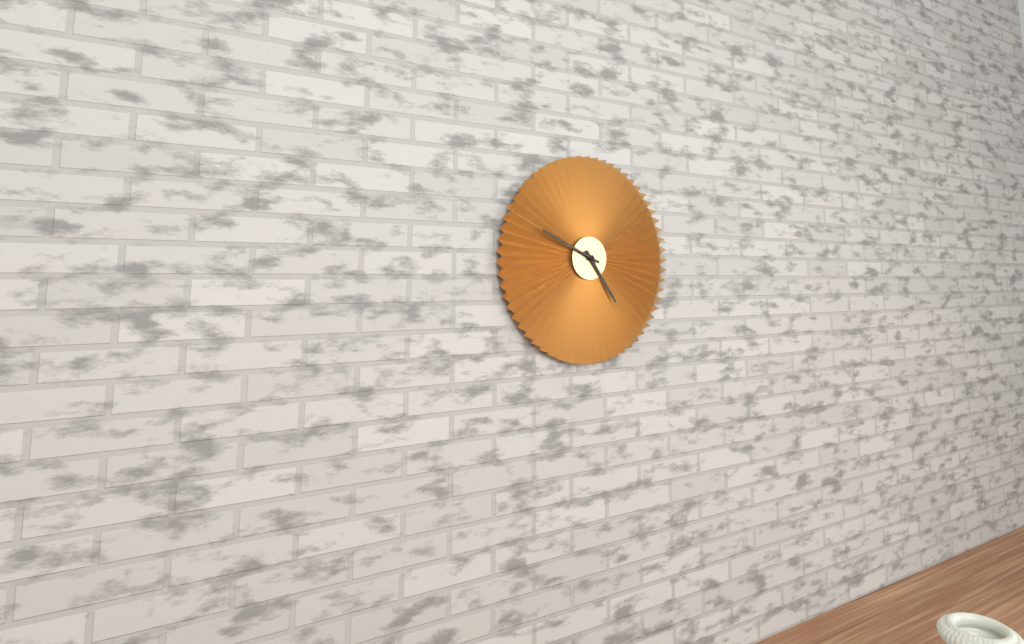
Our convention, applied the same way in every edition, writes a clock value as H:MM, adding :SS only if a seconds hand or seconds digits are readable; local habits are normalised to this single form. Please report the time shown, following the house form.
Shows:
4:49
